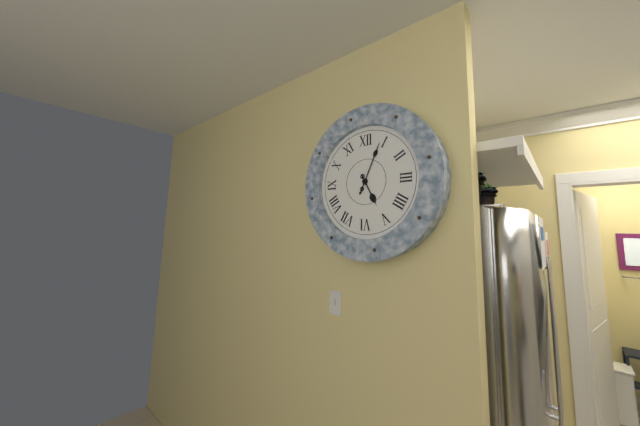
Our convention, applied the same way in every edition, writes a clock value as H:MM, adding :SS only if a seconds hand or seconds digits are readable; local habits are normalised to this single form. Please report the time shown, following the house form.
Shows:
5:04
